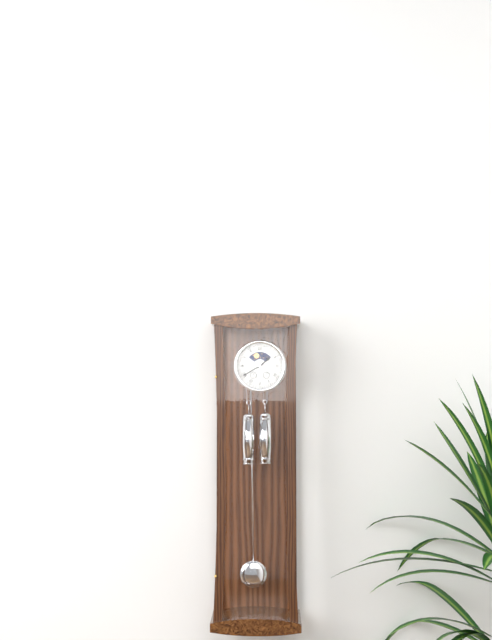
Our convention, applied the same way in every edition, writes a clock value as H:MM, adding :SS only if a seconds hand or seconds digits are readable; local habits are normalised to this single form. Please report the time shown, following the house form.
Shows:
1:40
